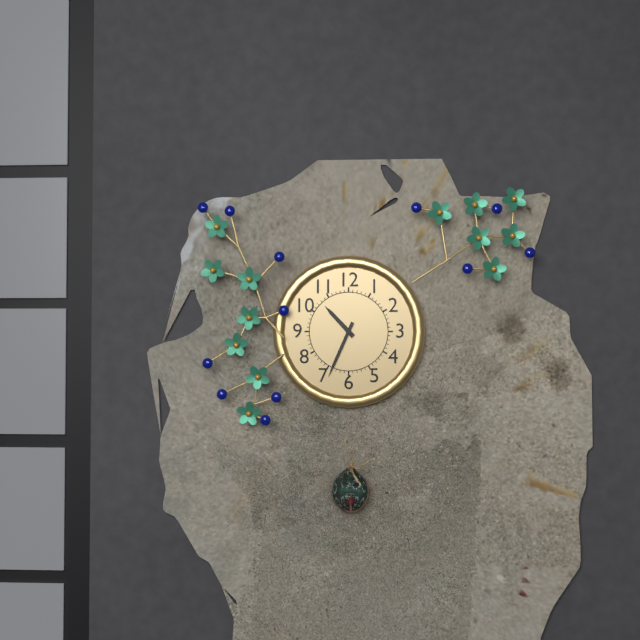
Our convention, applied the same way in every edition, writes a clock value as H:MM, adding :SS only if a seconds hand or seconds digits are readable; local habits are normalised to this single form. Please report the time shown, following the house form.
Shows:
10:34
